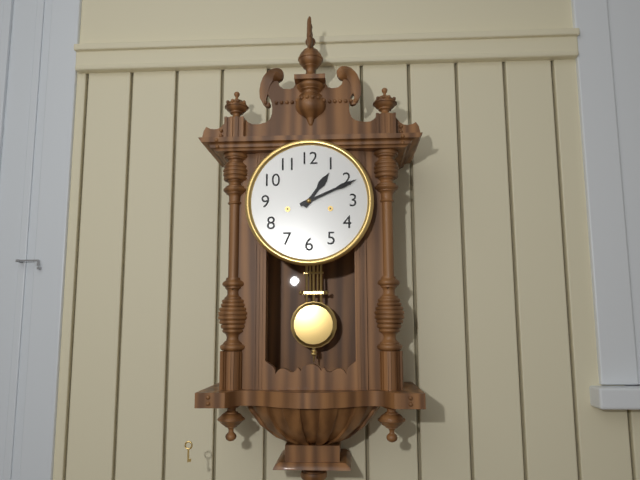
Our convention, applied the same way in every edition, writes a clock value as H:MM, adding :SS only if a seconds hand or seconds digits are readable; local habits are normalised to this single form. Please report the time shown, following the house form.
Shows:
1:11
